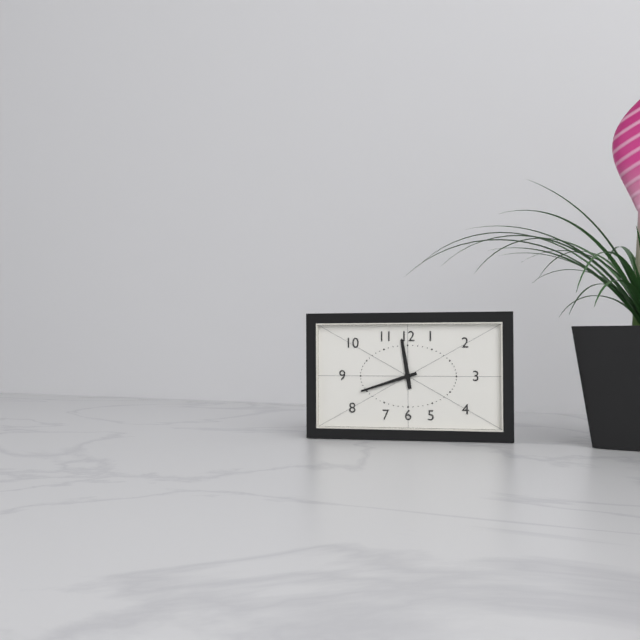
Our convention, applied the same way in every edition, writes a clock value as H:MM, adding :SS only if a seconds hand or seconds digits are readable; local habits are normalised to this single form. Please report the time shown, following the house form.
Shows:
11:42
